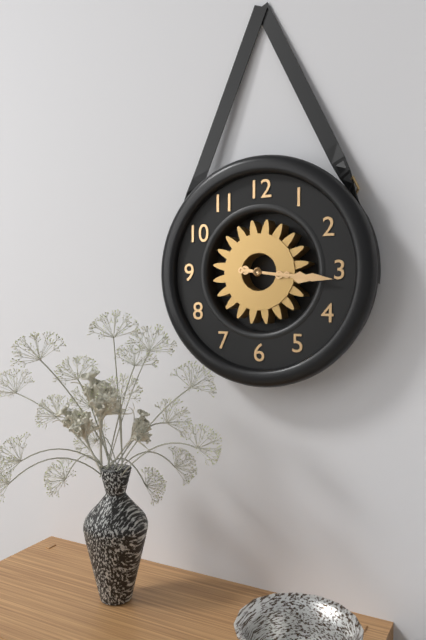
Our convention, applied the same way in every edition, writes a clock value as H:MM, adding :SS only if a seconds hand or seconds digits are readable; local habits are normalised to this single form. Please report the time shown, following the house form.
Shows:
3:16
